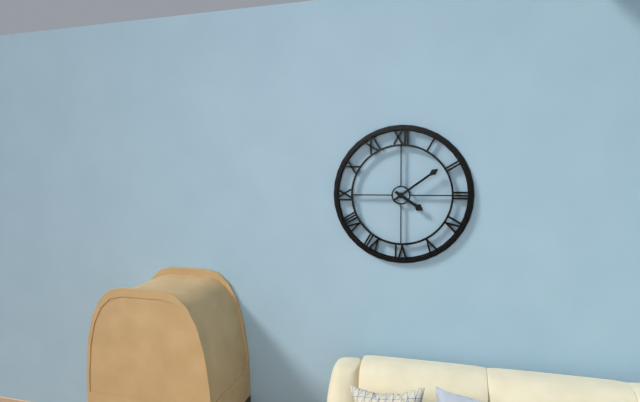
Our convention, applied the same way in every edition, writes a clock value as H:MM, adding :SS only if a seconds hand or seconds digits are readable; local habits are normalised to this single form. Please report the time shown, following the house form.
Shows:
4:09
